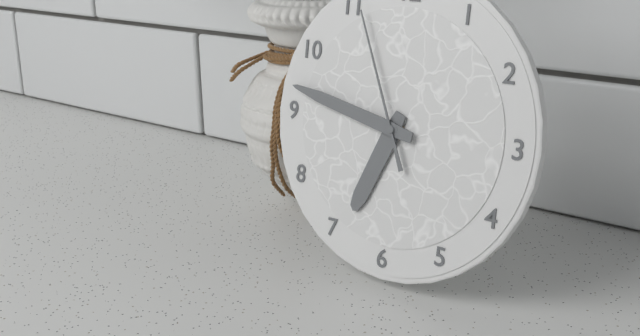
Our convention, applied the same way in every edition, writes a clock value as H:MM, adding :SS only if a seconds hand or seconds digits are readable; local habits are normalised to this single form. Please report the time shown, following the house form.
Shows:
6:47:56
